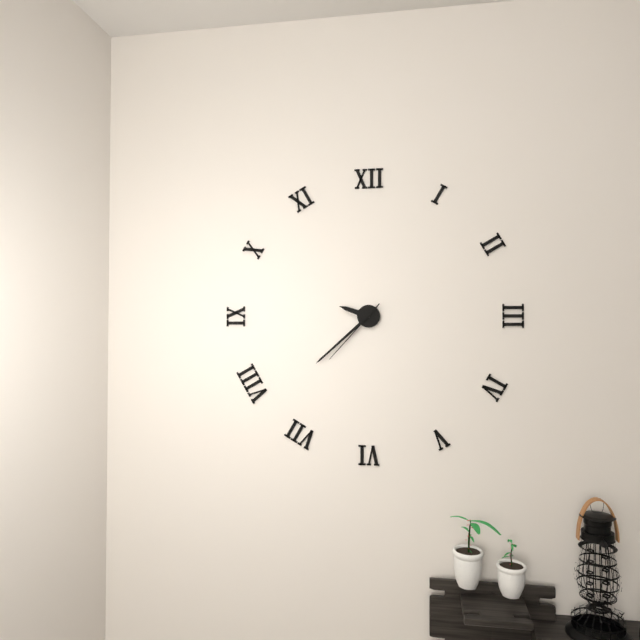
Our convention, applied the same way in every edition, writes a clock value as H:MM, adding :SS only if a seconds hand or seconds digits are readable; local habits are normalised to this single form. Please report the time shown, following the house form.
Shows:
9:38:37
